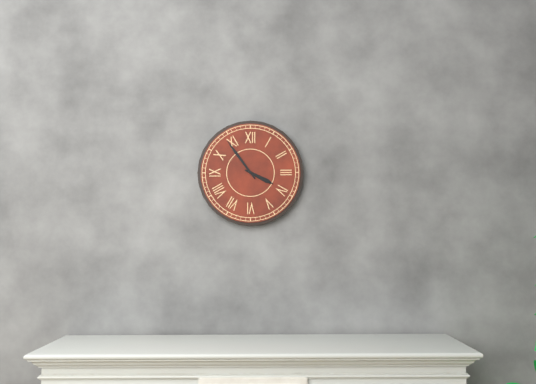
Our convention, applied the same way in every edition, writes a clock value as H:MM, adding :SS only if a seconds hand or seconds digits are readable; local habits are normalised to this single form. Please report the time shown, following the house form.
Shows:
3:54
